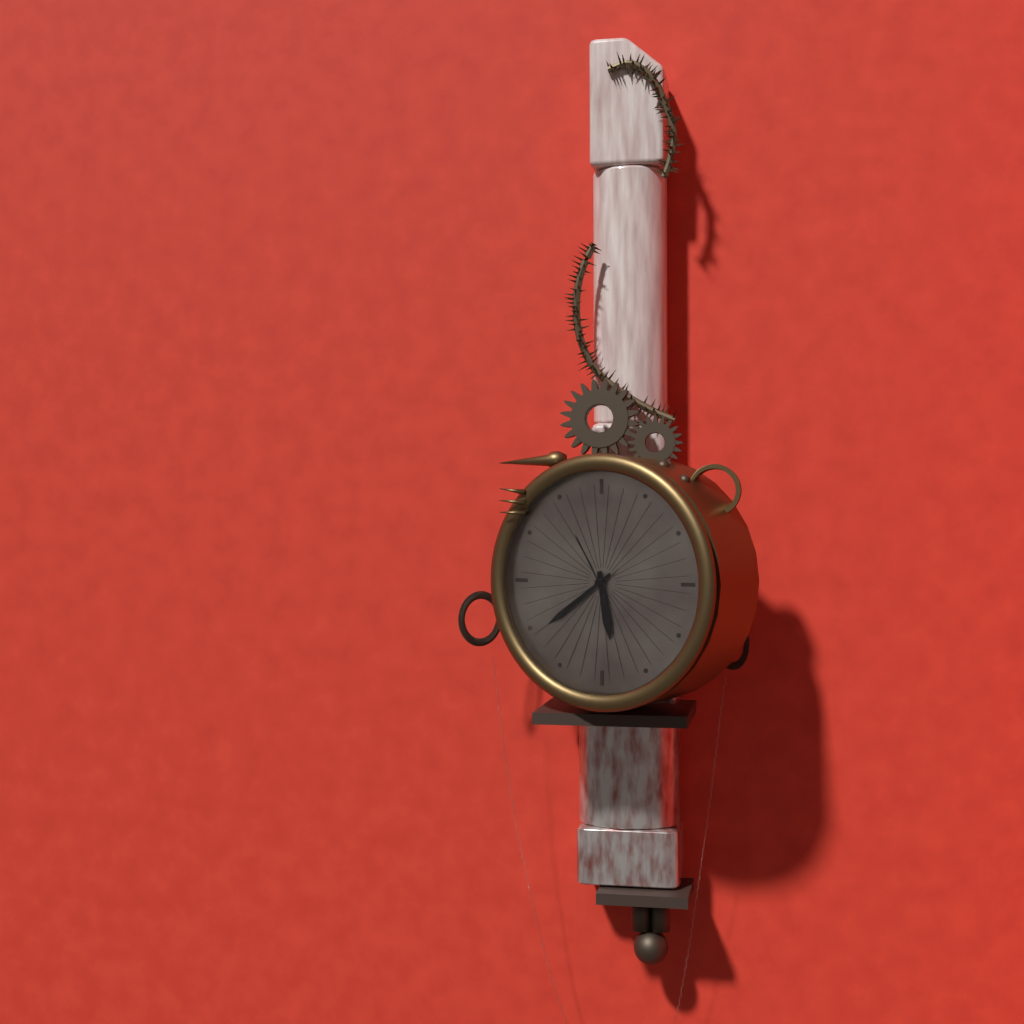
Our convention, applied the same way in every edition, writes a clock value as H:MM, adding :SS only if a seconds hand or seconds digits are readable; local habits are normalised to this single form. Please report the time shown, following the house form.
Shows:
5:39:55
